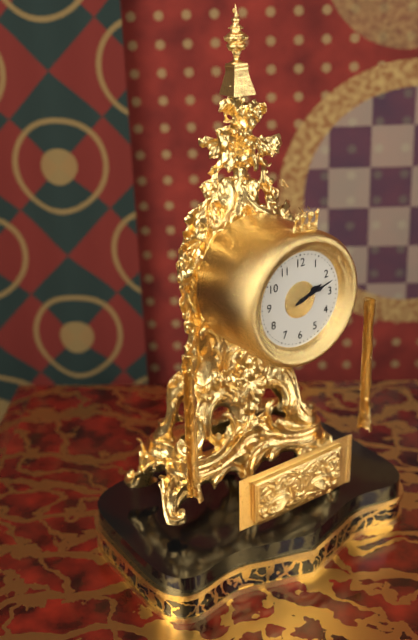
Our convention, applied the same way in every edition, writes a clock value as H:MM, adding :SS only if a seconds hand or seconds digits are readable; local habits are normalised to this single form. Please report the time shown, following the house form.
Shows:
2:12
